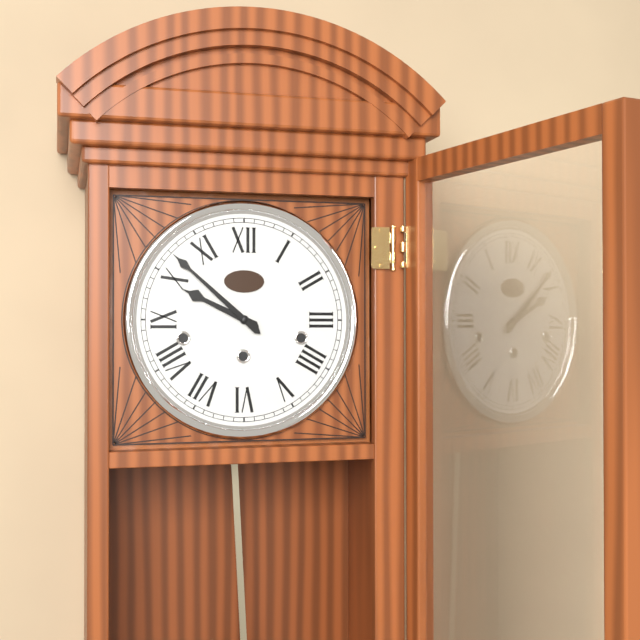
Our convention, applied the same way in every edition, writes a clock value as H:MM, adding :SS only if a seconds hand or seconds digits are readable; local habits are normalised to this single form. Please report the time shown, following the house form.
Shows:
9:52
